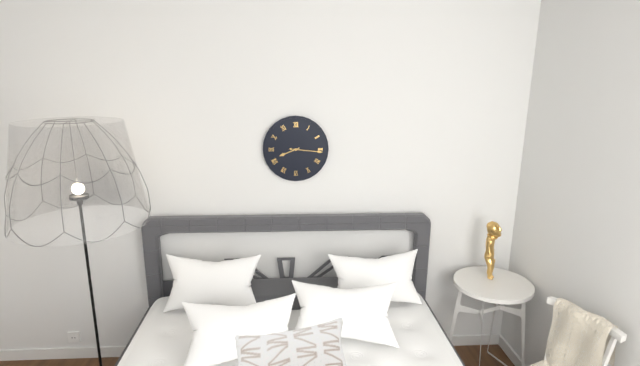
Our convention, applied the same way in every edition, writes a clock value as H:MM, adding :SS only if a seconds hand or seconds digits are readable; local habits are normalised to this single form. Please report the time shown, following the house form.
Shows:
8:16
